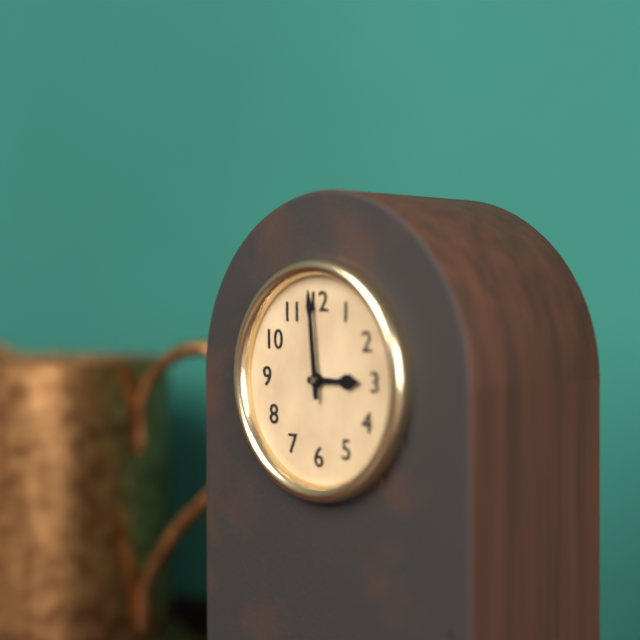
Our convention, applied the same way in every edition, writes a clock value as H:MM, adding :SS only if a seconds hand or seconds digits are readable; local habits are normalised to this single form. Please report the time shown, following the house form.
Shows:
2:59
